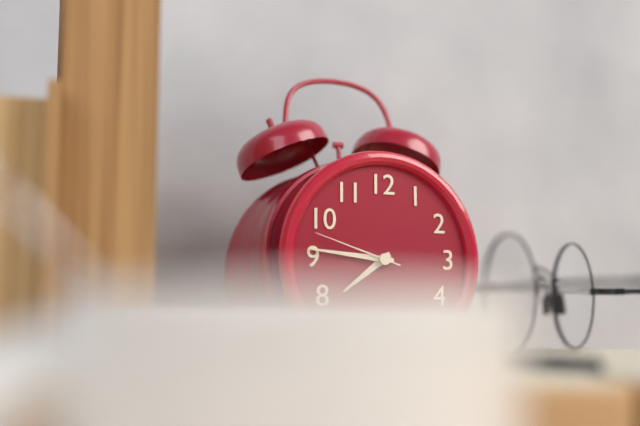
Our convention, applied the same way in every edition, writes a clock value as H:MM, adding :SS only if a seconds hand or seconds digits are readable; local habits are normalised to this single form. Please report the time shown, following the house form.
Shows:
7:46:48
